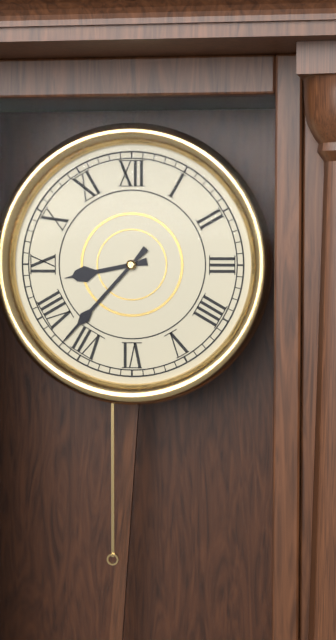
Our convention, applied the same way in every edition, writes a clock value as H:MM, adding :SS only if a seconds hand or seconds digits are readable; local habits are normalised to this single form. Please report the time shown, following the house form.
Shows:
8:37
